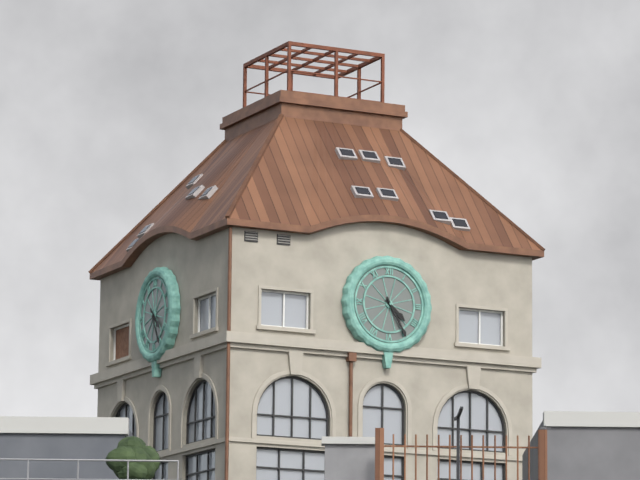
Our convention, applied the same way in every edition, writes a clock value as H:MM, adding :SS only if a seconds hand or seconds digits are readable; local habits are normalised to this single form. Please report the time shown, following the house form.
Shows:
4:25
